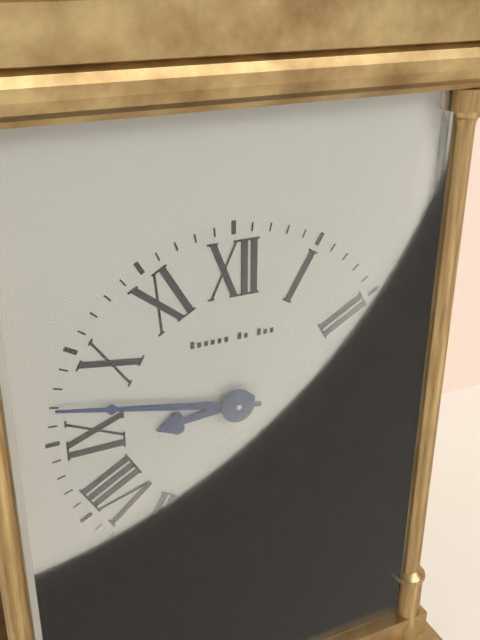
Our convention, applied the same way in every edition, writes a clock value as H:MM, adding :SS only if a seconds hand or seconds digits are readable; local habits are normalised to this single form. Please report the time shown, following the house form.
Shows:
8:47
